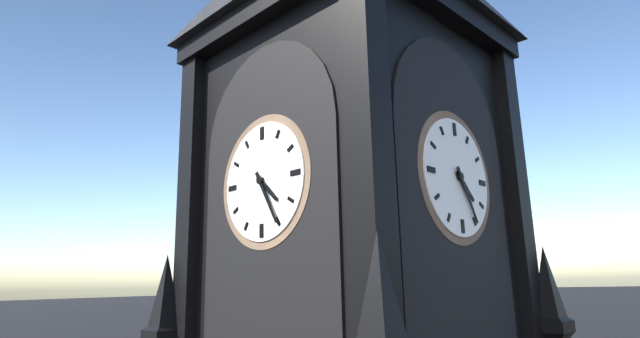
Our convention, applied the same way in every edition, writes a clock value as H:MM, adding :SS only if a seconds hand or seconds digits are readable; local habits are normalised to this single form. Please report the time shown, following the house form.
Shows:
4:25
